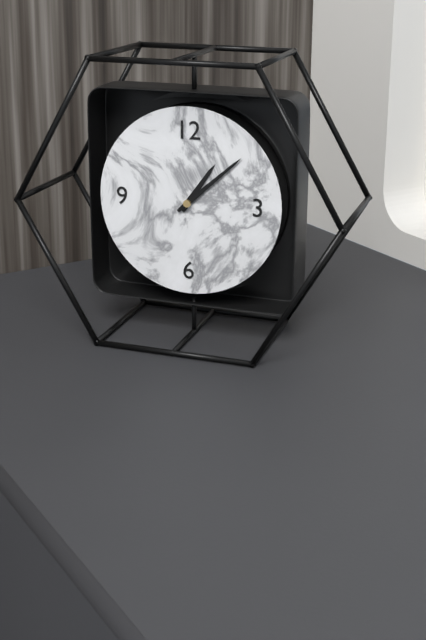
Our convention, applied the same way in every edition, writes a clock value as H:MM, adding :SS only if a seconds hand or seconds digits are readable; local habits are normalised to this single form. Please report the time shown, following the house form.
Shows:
1:08
